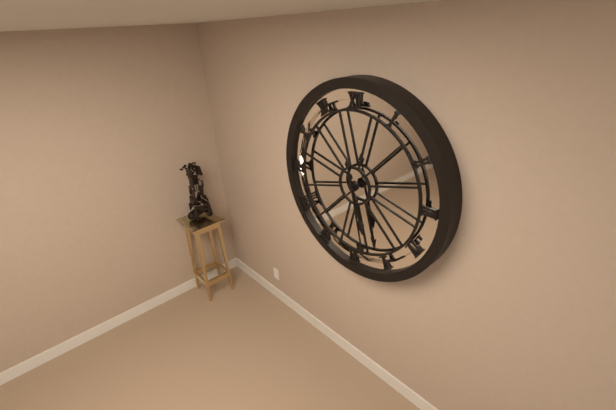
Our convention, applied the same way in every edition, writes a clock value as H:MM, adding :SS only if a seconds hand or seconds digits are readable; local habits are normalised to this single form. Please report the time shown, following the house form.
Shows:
5:28
